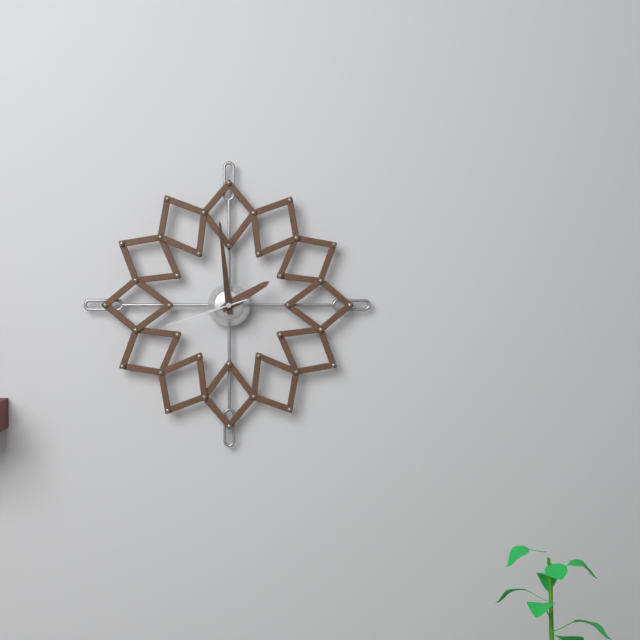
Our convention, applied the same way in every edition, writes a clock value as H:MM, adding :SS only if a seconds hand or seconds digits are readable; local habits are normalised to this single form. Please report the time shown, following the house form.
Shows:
1:59:42
